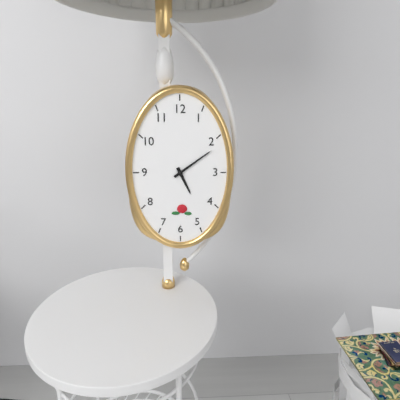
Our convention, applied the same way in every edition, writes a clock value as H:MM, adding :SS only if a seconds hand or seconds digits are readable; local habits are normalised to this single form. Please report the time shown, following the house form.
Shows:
5:09
